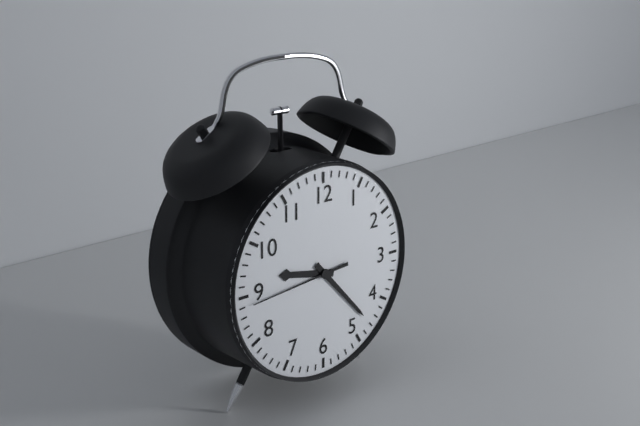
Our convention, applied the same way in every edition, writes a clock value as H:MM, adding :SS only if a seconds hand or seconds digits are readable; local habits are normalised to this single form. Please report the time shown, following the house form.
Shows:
9:23:44
